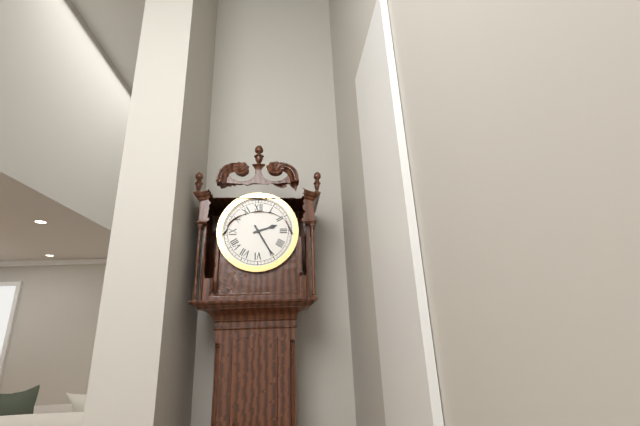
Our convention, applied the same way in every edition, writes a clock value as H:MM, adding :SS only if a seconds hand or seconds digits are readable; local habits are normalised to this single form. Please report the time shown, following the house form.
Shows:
2:25
